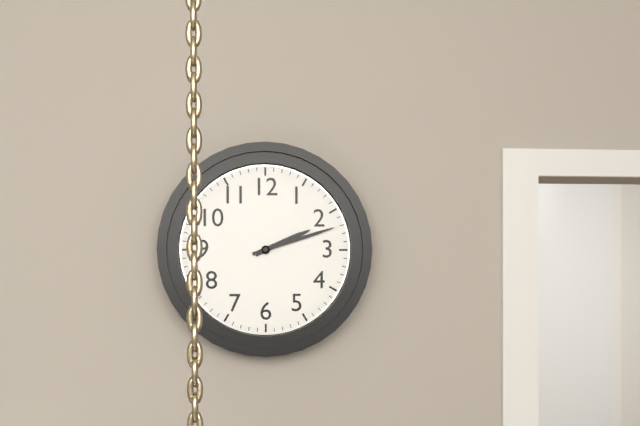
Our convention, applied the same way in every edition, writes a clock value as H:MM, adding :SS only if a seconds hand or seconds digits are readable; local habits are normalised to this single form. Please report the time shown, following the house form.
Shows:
2:12
